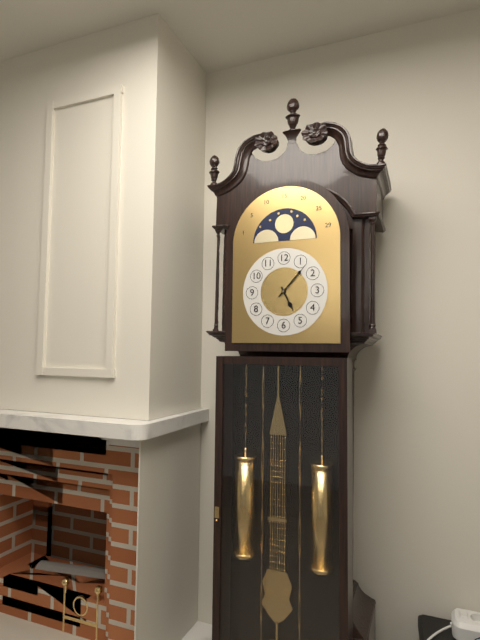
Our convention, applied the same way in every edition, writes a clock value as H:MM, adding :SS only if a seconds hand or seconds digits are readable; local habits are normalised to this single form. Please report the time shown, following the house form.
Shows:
5:07
